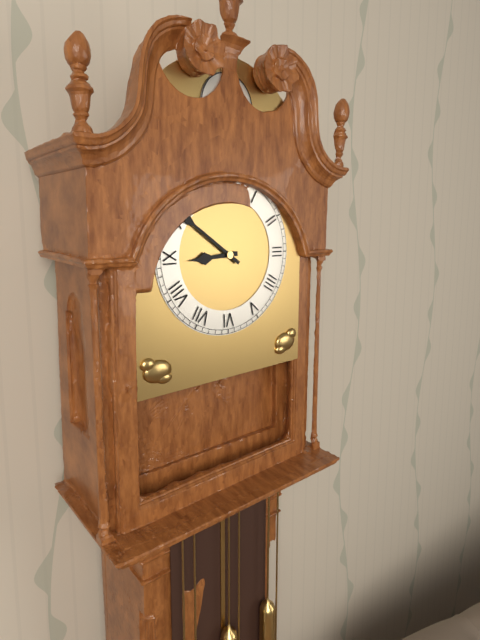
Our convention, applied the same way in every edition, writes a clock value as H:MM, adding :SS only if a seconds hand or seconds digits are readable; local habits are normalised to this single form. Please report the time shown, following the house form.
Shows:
8:51
